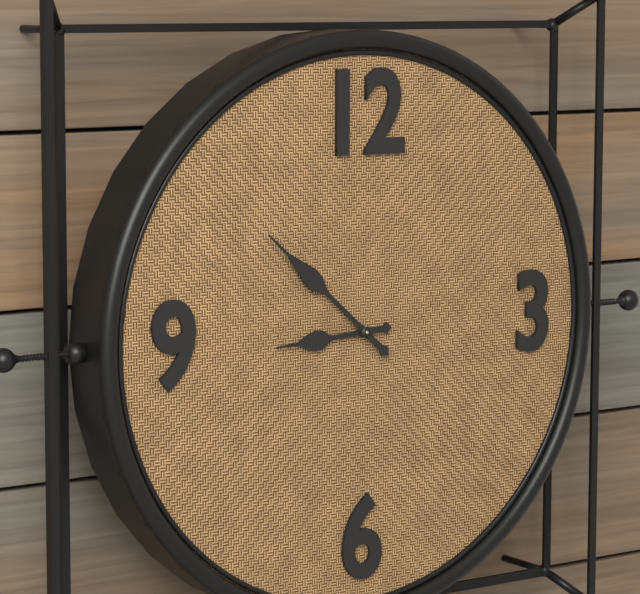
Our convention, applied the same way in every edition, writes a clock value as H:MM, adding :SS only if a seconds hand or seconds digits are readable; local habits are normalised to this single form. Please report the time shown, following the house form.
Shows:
8:52
